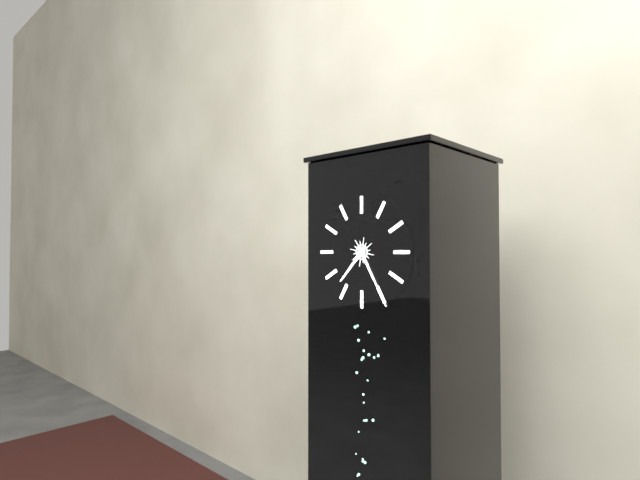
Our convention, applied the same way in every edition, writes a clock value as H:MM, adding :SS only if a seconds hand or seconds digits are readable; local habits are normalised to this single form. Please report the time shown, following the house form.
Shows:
7:25
